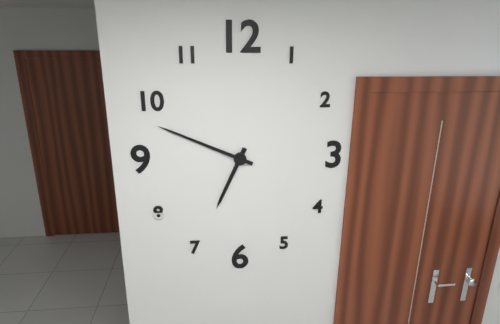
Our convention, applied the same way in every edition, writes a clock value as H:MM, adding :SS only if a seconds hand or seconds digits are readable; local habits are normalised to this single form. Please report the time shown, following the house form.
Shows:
6:49
